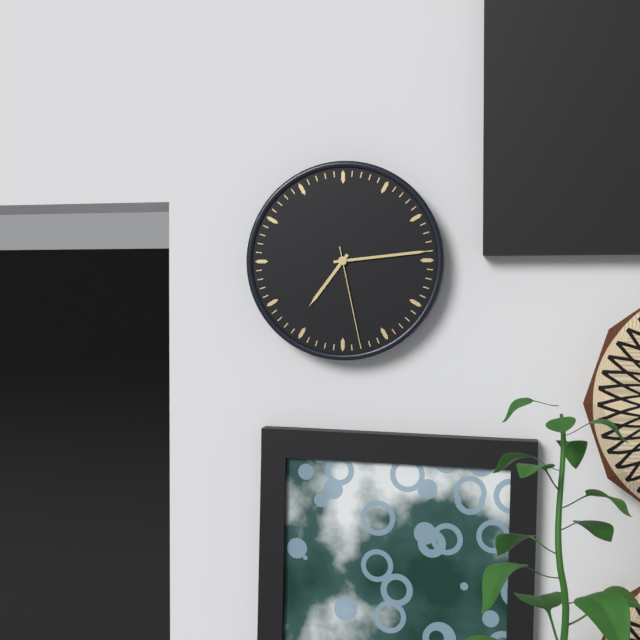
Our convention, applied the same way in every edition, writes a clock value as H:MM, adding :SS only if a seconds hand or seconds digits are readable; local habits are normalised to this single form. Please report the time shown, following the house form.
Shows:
7:14:28
